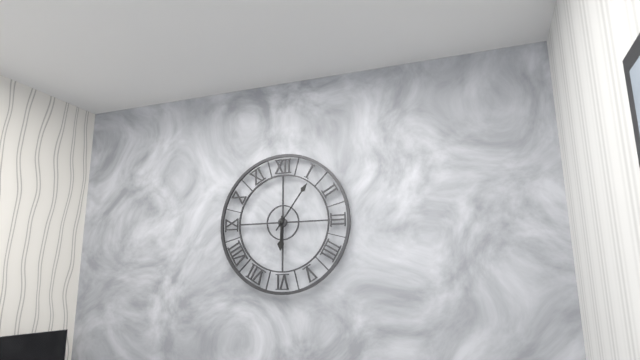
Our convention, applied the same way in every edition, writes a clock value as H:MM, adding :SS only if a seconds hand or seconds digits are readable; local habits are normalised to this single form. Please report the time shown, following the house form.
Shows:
6:06
